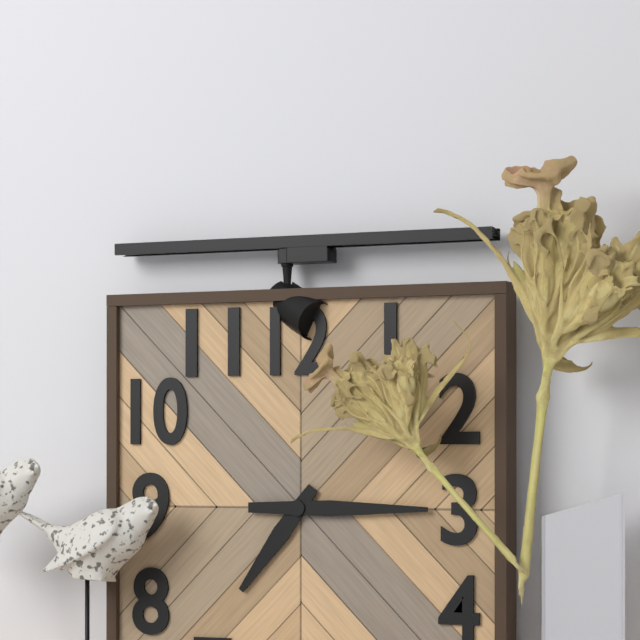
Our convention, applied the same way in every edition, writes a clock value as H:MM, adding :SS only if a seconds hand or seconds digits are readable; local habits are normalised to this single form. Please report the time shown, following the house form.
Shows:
7:15
